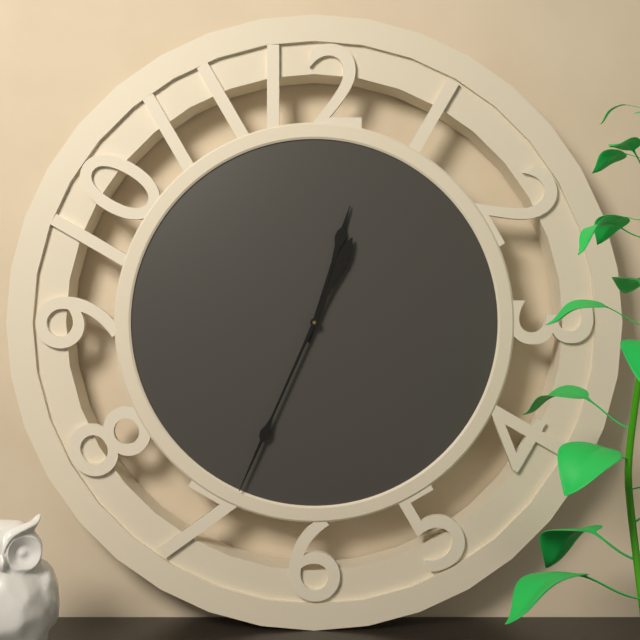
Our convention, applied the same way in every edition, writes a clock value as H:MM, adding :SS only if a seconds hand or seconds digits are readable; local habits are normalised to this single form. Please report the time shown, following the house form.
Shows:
12:34
